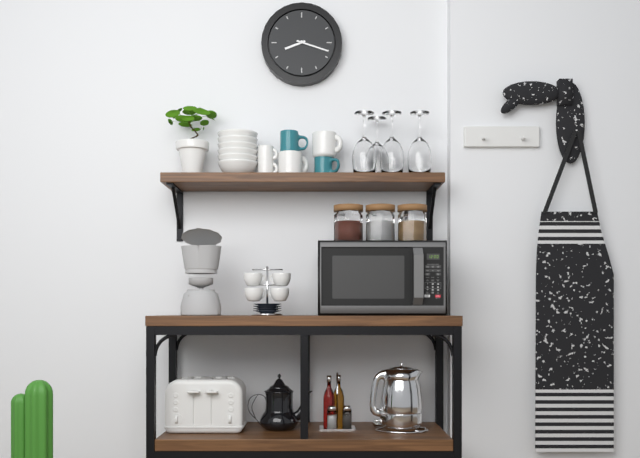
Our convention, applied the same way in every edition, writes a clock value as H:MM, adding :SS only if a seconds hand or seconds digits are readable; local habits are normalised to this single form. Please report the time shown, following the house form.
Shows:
8:18
